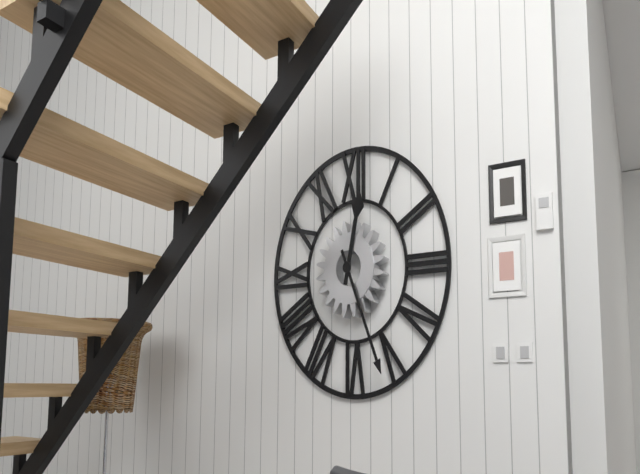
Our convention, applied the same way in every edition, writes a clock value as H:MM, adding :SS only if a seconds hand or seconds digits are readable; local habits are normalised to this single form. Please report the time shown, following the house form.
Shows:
12:26
